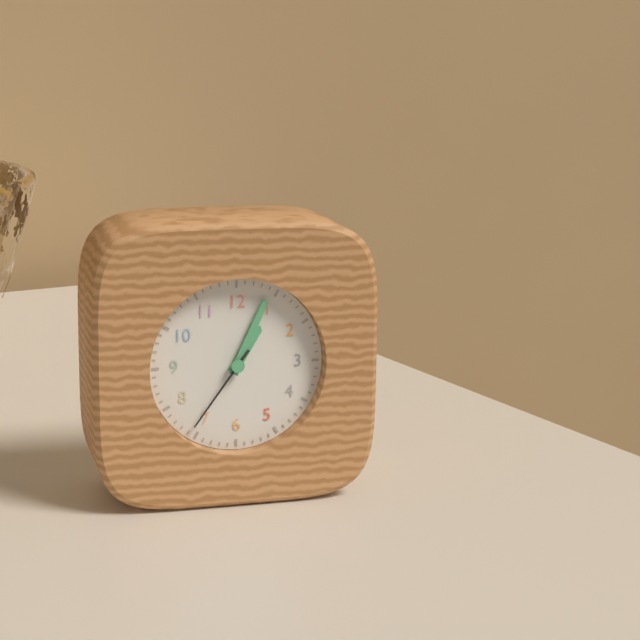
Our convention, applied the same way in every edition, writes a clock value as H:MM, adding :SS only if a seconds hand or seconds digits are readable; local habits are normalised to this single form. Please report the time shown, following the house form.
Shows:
1:04:36
